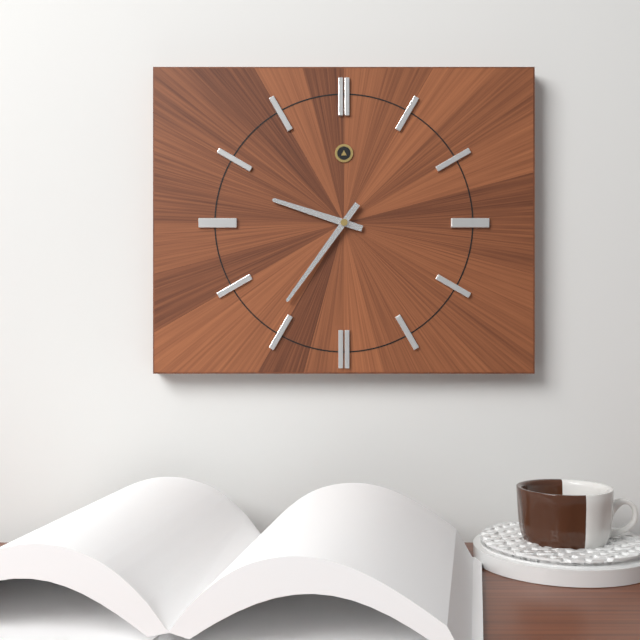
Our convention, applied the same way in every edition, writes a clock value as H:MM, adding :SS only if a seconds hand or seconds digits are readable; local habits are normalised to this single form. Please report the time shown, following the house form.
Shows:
9:36
